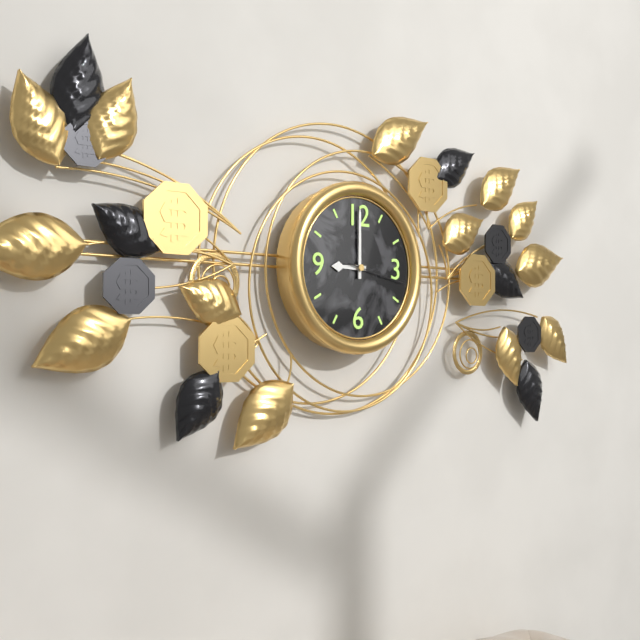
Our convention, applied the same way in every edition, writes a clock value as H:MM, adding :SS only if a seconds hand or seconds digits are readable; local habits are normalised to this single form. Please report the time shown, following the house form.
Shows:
9:00:17
